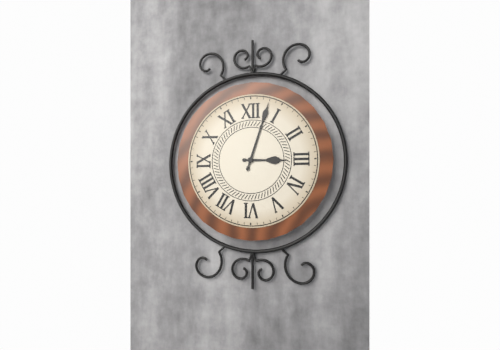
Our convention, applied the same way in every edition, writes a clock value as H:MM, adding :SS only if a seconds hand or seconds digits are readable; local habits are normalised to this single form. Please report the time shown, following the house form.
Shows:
3:03
